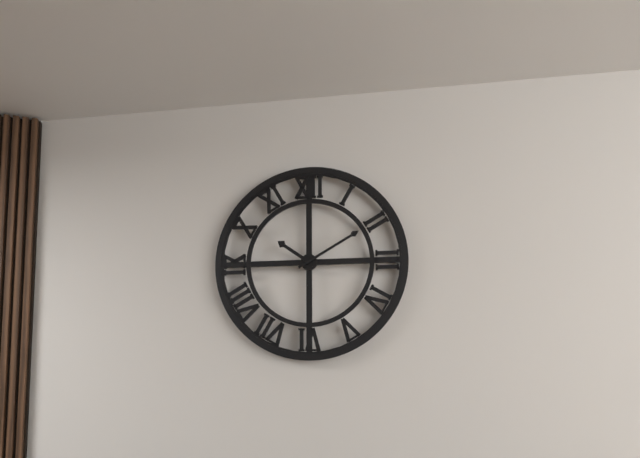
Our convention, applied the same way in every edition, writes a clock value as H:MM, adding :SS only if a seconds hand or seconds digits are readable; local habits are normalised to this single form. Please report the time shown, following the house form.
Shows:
10:10
